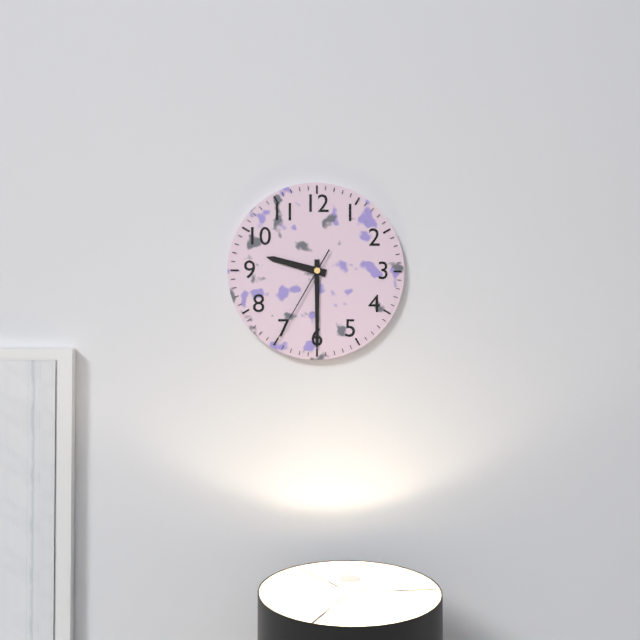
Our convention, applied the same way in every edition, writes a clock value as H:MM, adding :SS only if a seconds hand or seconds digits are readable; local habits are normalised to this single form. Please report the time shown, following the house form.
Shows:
9:30:35
